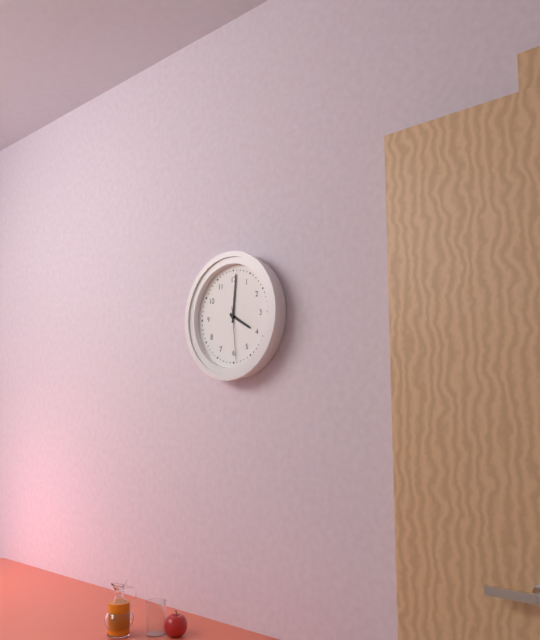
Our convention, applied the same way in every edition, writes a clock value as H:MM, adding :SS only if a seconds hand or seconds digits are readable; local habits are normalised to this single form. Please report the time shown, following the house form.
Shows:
4:01:29
